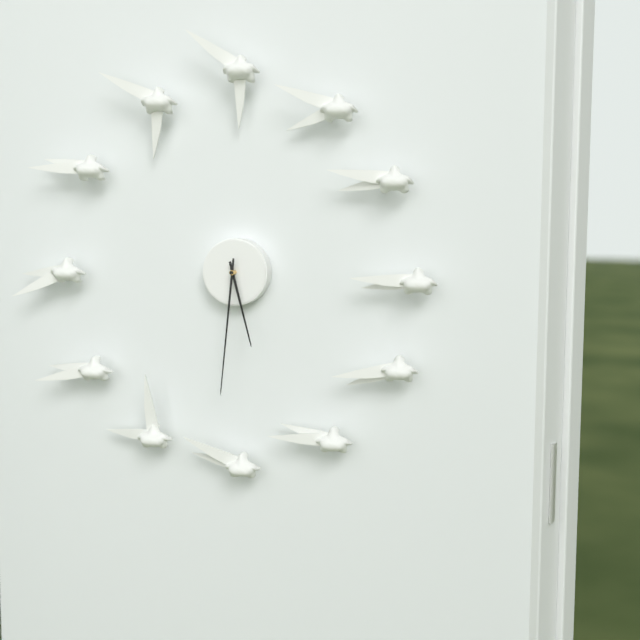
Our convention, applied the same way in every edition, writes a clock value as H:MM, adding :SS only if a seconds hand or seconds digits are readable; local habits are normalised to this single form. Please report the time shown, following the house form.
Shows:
5:31
